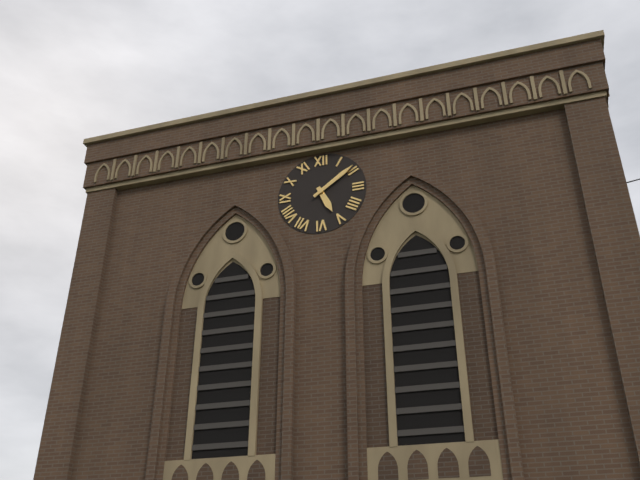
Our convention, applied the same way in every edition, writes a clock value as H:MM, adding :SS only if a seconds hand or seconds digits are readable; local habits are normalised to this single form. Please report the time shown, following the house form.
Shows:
5:09
